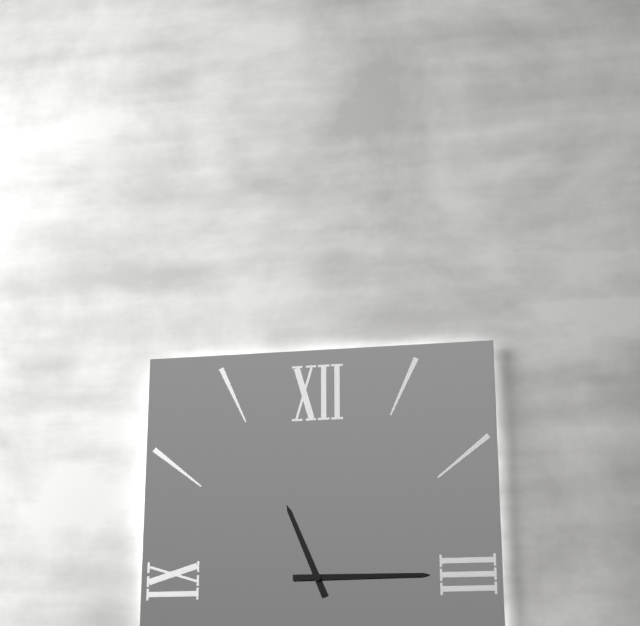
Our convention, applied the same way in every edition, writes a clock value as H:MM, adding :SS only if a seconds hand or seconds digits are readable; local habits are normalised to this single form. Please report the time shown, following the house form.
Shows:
11:15
